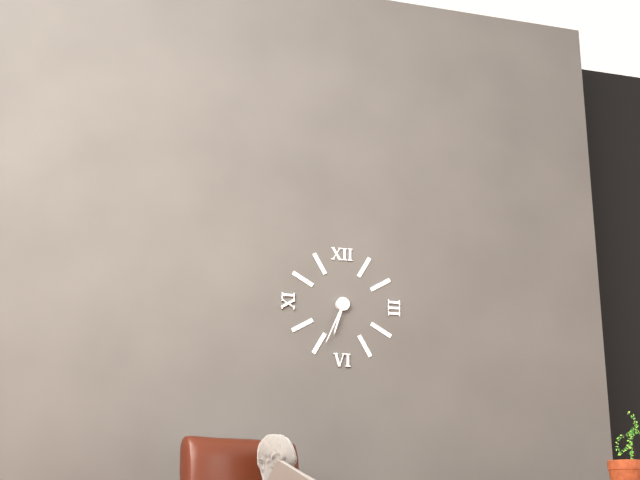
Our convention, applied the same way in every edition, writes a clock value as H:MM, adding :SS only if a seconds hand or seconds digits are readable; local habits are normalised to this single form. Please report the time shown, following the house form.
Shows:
6:34
